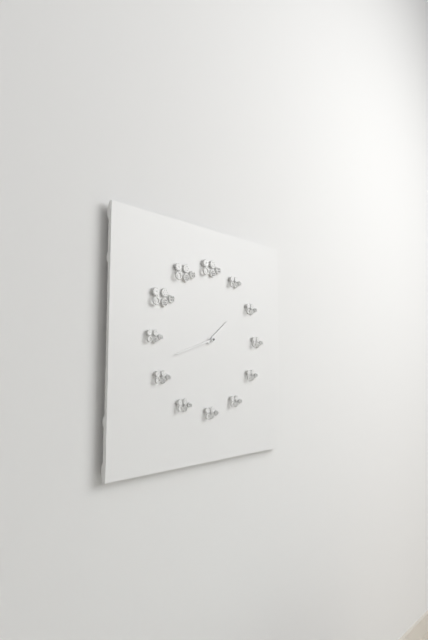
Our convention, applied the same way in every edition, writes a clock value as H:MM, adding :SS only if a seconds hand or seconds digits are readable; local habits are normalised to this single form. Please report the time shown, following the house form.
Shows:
1:42
